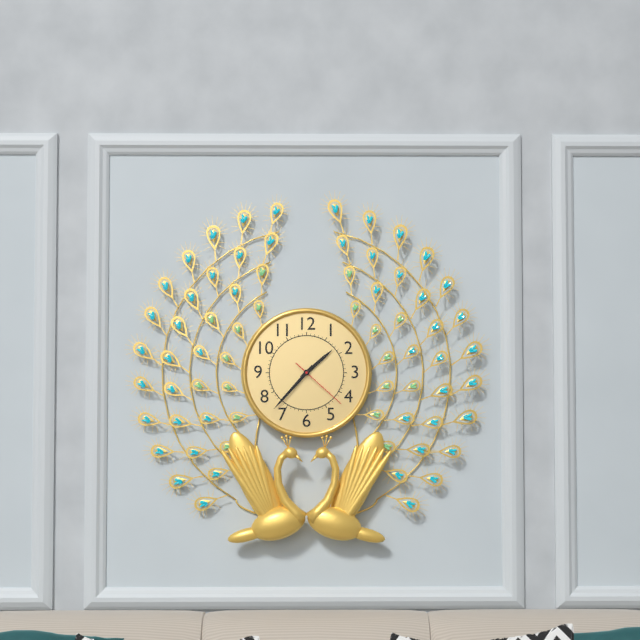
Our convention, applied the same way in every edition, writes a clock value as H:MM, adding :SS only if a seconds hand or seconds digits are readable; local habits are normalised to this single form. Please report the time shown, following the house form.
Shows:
1:37:22
